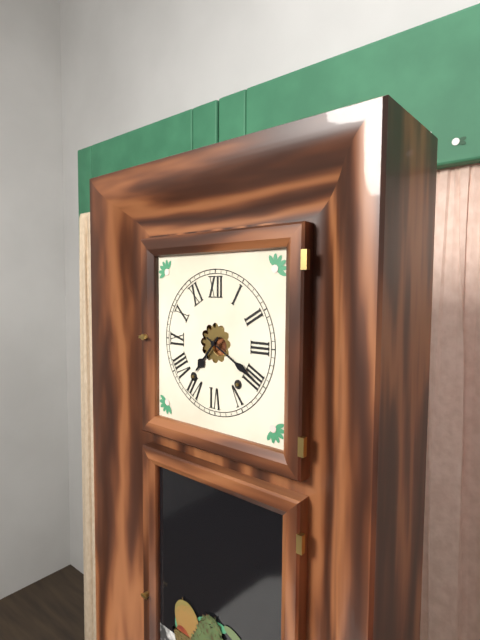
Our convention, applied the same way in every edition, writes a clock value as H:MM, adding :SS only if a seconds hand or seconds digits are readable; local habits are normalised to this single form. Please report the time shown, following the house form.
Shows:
7:20
